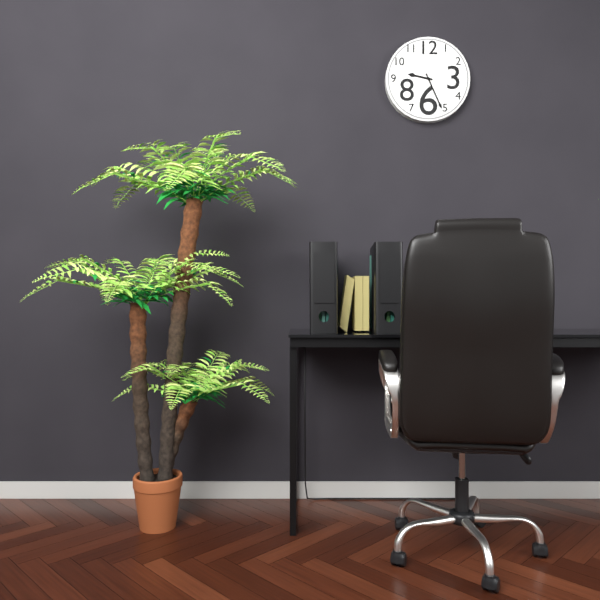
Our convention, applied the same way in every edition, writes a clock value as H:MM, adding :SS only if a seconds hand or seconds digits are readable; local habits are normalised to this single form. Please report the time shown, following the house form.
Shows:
9:26
